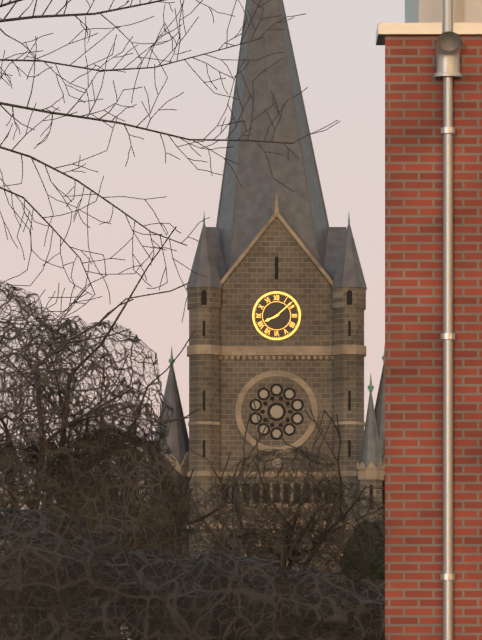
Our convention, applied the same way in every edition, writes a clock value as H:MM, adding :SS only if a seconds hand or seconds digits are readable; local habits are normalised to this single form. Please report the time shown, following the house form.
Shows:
8:08
